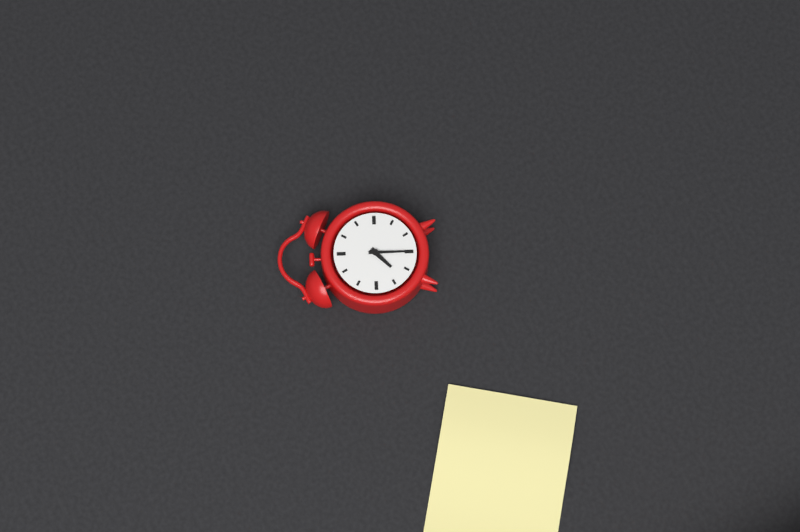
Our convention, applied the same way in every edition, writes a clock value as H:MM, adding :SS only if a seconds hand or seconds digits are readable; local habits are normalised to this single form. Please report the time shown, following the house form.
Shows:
7:30
